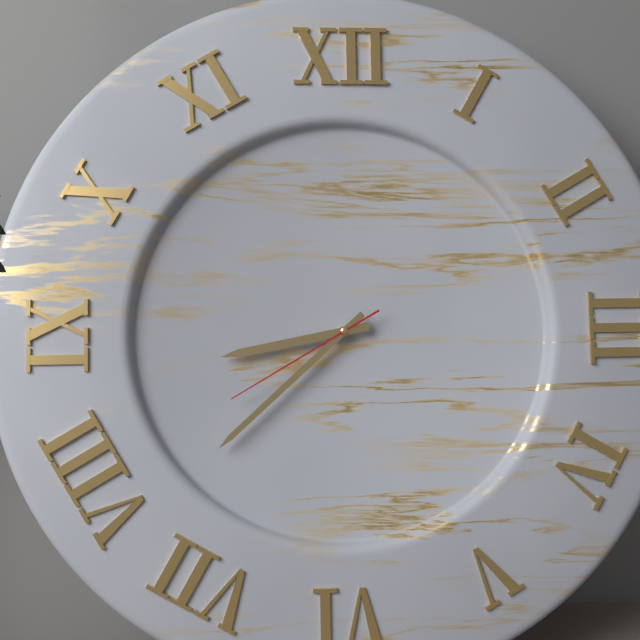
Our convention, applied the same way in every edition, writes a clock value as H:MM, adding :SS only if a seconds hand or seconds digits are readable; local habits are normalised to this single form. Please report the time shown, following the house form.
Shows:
8:38:40
